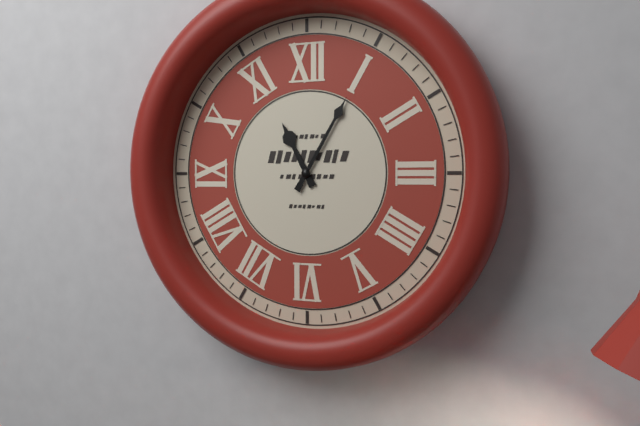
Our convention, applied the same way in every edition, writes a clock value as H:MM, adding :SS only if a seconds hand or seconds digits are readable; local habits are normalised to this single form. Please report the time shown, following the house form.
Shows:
11:05
